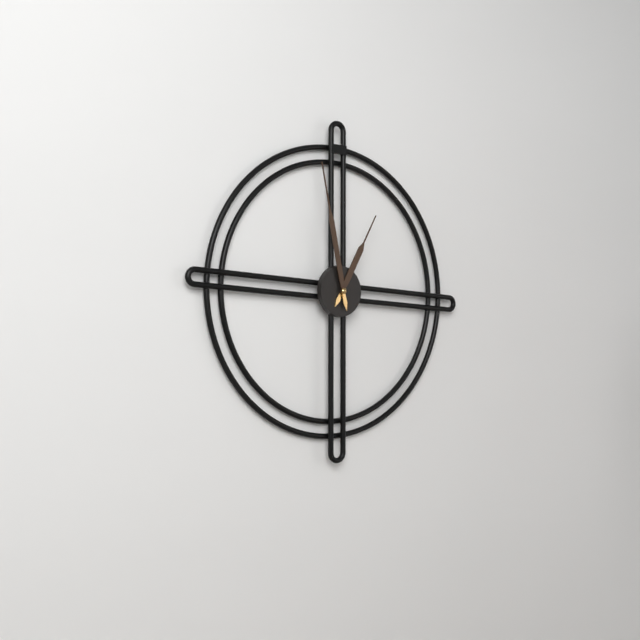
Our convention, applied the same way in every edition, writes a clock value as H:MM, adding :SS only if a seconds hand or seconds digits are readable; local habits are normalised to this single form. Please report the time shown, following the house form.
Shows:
12:58
